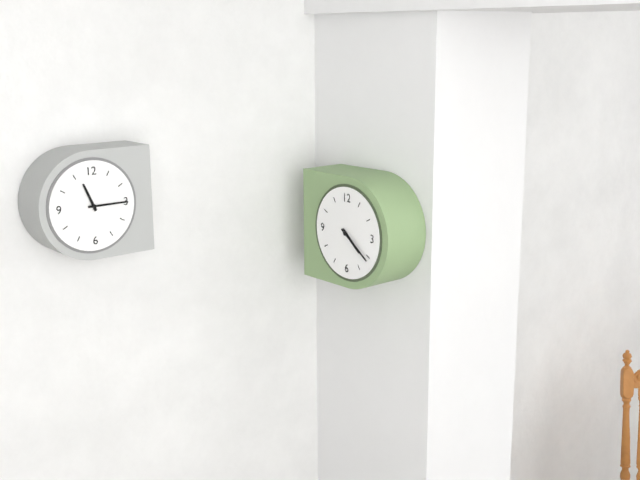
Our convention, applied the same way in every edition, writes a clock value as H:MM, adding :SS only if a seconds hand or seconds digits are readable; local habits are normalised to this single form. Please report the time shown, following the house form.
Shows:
4:21
